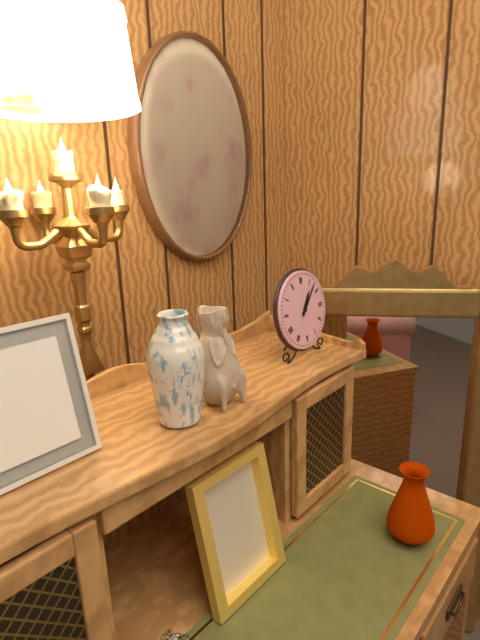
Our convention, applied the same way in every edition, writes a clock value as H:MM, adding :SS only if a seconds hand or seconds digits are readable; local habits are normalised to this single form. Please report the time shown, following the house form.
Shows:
1:07
